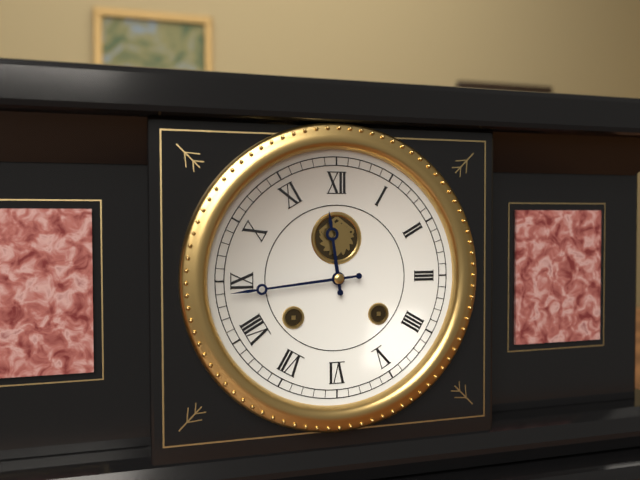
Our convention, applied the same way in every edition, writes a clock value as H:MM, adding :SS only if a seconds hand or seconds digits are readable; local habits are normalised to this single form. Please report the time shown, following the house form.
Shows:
11:44
